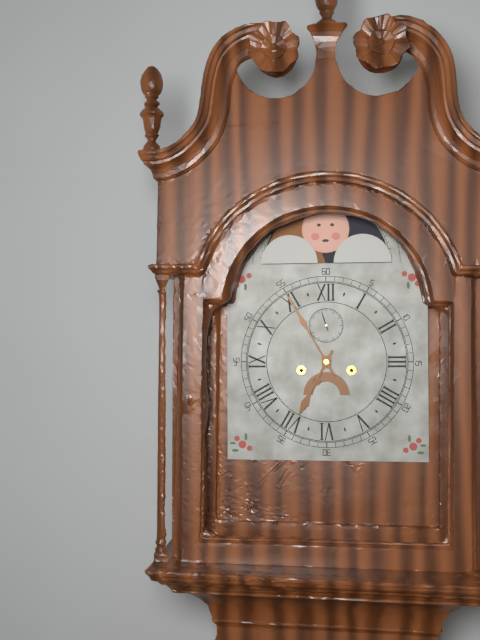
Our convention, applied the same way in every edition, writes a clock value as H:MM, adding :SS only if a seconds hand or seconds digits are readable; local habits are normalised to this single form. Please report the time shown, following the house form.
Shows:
6:55
